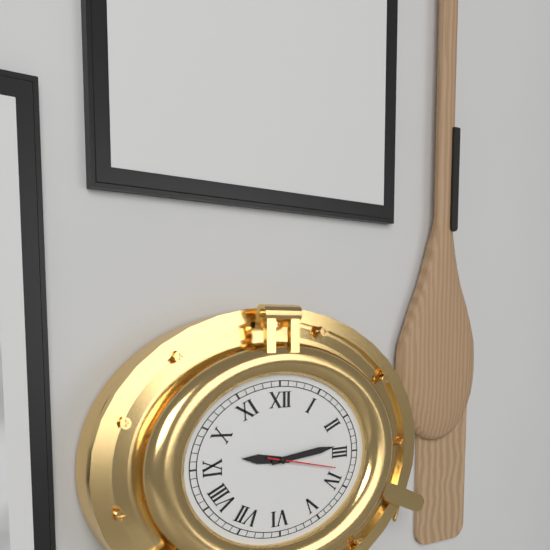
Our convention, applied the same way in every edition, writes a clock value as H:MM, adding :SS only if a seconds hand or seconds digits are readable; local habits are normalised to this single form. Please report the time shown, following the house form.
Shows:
9:14:17
